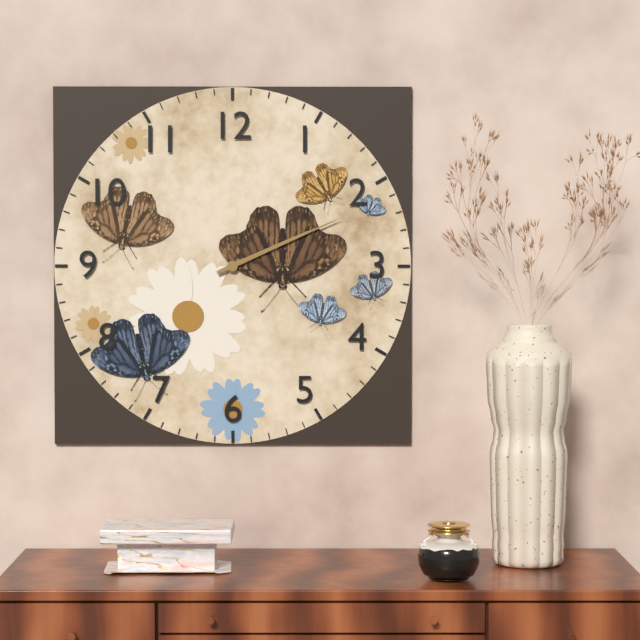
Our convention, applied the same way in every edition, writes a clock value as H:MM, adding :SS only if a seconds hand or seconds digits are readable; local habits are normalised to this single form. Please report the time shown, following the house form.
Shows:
2:11
